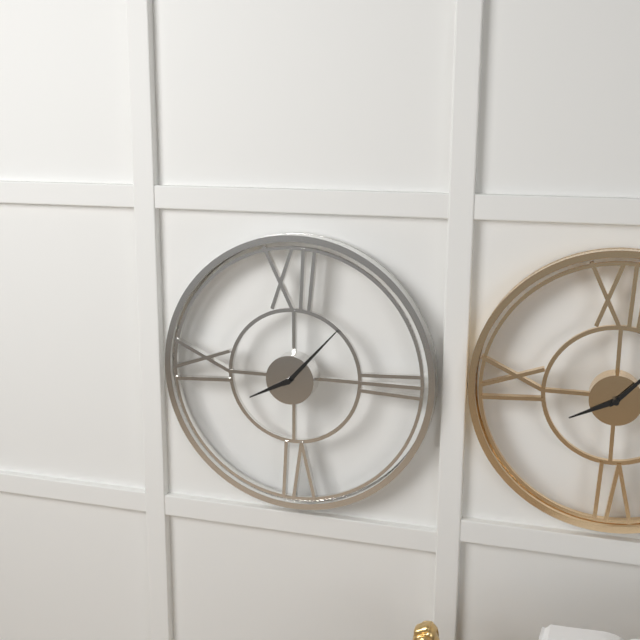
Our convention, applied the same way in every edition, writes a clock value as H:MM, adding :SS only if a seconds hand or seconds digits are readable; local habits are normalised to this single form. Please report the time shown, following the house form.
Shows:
8:07
